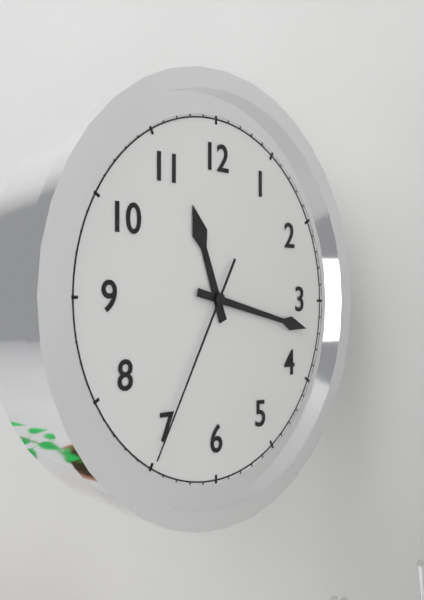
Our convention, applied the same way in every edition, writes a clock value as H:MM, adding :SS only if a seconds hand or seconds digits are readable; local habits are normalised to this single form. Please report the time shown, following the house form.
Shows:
11:17:35
